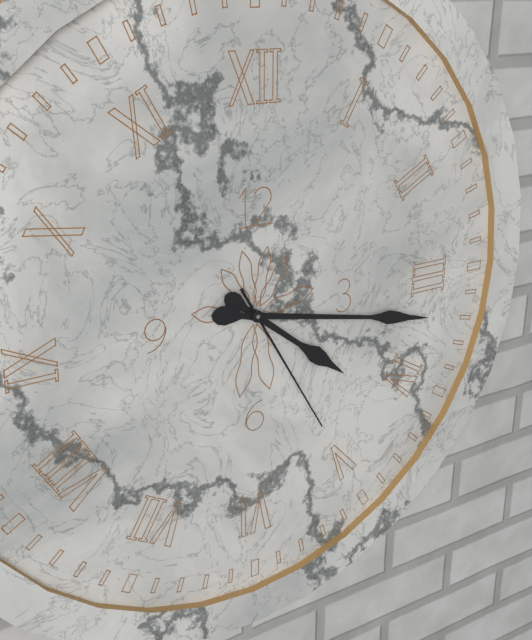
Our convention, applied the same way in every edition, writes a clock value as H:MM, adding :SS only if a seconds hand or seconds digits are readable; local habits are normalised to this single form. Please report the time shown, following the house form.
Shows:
4:17:25
